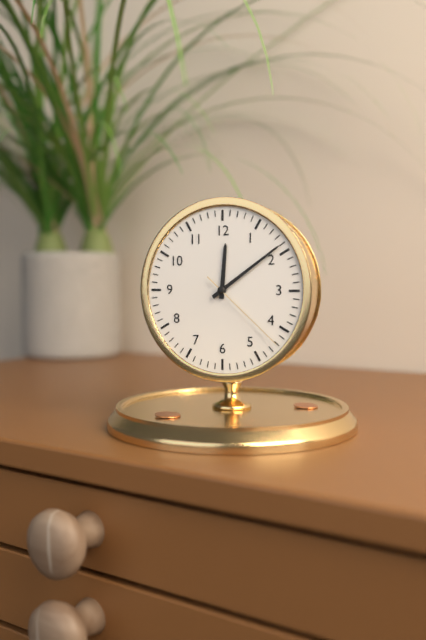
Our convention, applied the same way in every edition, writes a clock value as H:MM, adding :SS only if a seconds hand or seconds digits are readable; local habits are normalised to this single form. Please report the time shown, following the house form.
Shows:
12:09:22
